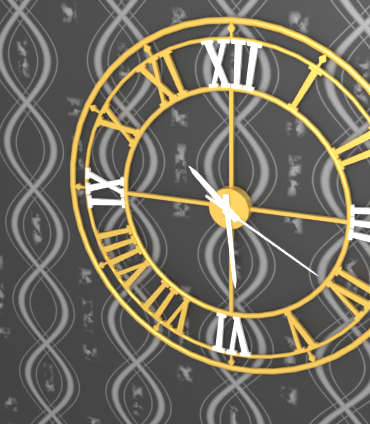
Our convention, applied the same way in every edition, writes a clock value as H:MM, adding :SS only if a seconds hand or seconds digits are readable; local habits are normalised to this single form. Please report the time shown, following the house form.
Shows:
10:29:20
